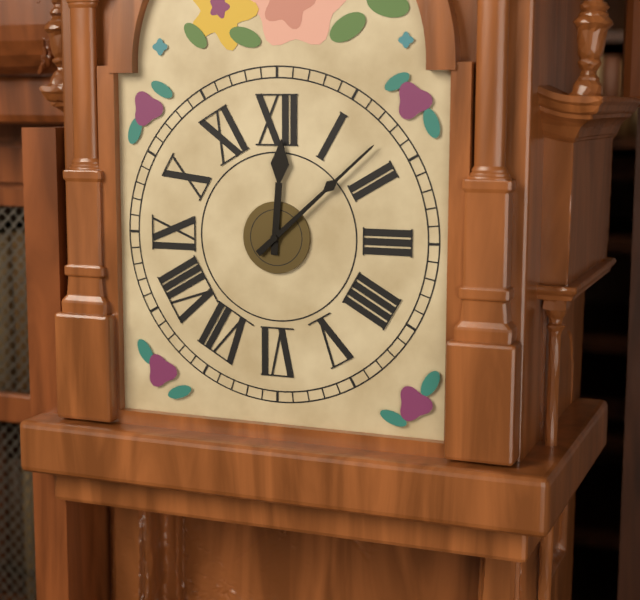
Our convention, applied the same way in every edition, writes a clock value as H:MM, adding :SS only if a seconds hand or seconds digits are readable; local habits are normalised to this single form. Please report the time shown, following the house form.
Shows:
12:08
